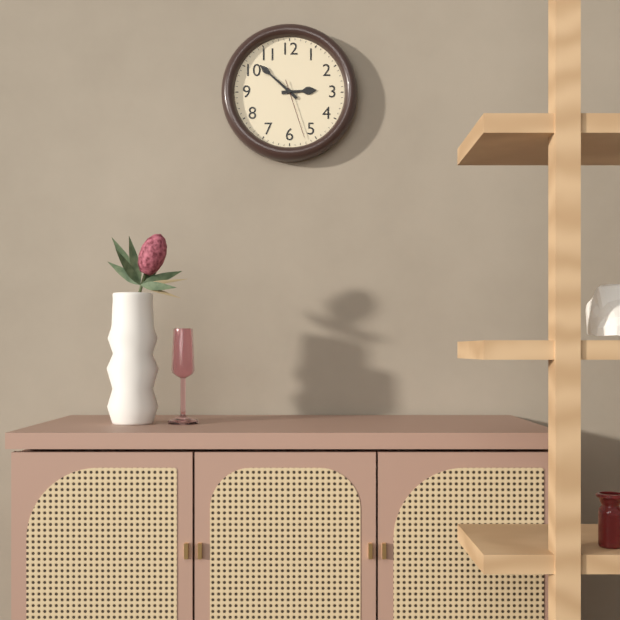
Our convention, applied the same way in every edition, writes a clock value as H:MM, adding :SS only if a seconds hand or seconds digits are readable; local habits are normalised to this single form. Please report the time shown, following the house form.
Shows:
2:52:27
